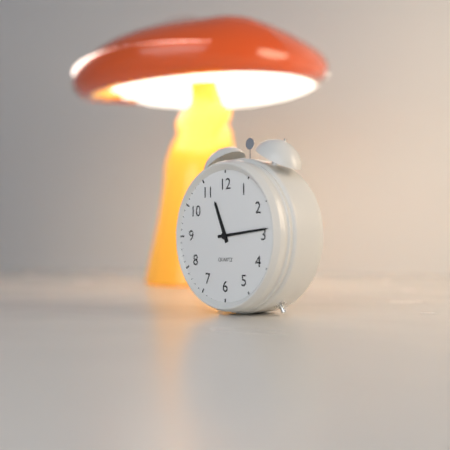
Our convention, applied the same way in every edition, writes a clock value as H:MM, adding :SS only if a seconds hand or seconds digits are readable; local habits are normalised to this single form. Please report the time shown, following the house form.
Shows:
11:14
